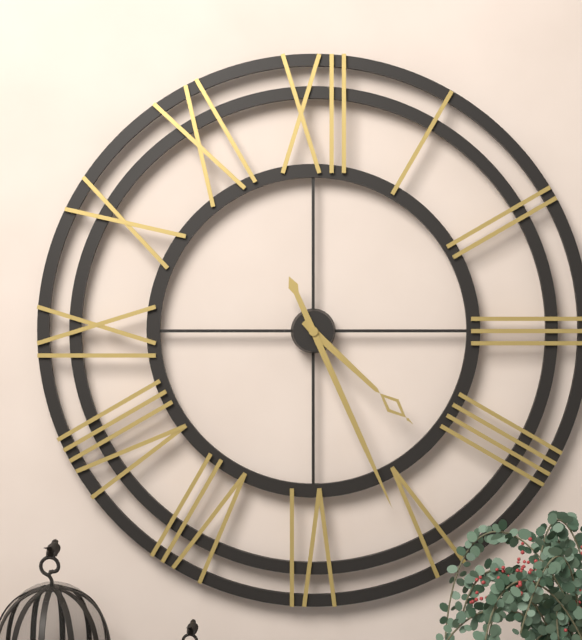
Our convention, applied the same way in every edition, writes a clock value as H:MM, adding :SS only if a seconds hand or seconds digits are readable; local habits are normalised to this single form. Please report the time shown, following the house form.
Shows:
4:26
